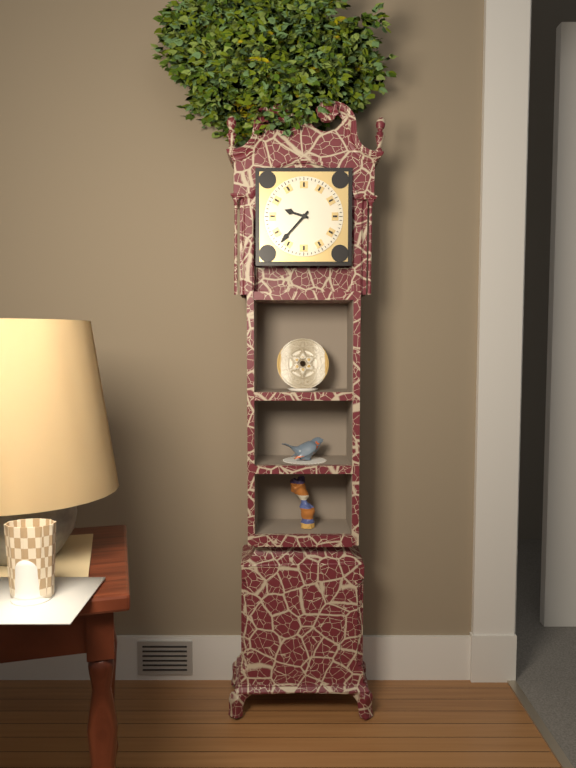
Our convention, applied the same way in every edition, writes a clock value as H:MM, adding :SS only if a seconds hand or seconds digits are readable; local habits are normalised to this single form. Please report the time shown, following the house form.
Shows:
9:37
